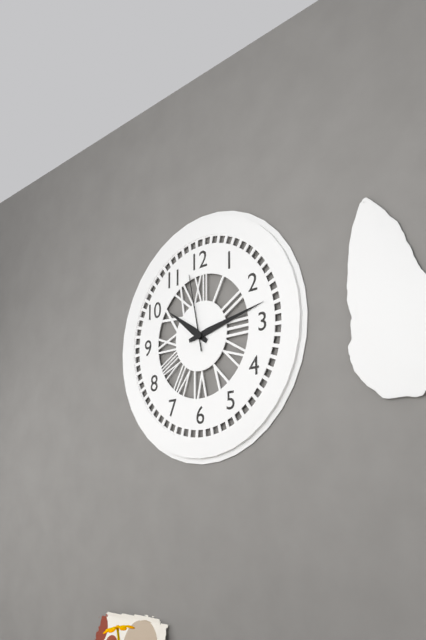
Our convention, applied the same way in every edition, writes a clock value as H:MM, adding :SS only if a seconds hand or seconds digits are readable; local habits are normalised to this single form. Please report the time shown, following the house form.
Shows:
10:13:58
